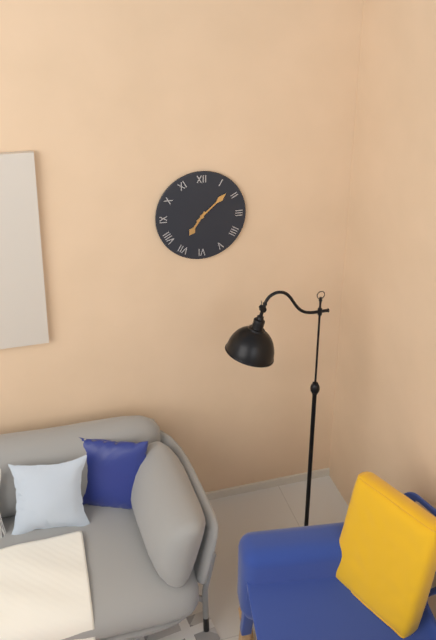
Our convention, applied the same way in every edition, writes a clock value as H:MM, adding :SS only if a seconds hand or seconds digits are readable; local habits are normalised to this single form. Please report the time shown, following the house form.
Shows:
7:08
